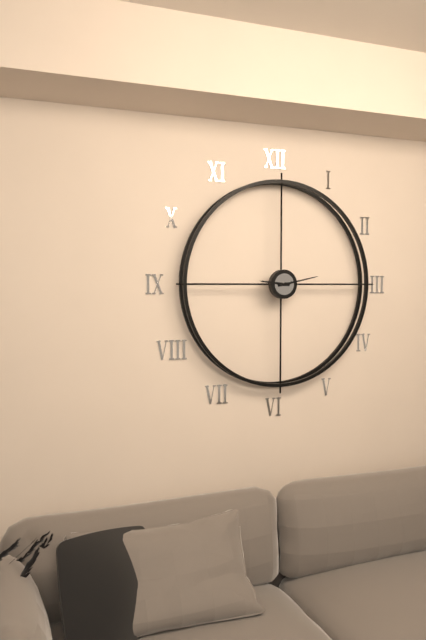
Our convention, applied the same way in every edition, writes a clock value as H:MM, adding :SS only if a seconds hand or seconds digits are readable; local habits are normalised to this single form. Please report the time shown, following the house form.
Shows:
9:13
